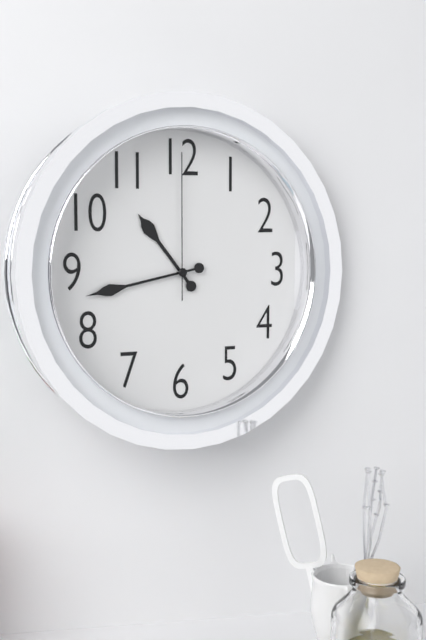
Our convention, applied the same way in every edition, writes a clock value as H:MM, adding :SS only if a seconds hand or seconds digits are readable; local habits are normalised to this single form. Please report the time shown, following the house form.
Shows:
10:43:00
